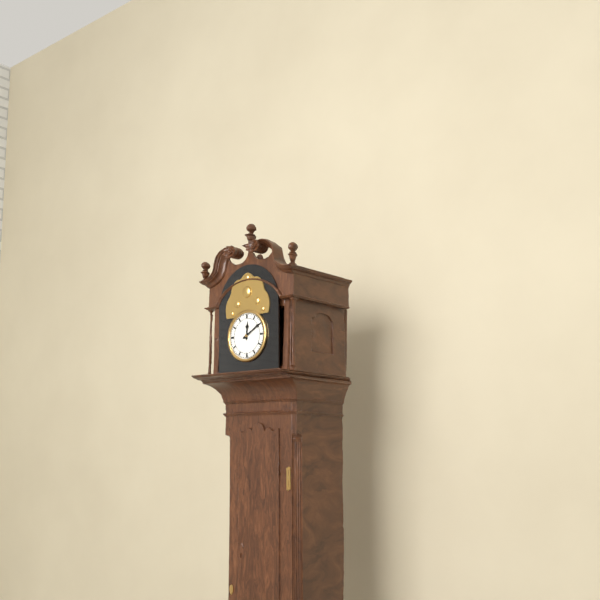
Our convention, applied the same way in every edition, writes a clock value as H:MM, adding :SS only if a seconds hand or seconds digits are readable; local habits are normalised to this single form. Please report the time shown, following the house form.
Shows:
12:10
